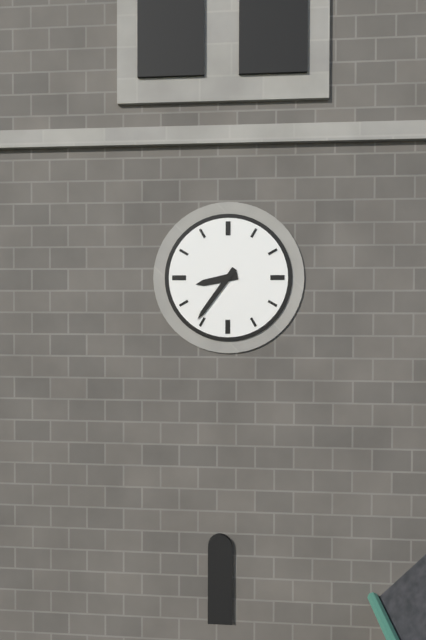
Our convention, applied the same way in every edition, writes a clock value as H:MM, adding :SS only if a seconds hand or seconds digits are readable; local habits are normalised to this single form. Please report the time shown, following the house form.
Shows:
8:36
